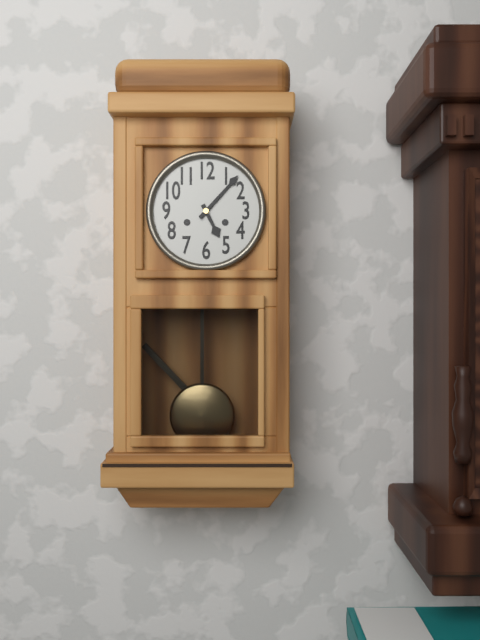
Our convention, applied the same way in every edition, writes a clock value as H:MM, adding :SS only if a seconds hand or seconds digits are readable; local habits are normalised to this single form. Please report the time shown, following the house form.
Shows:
5:07
